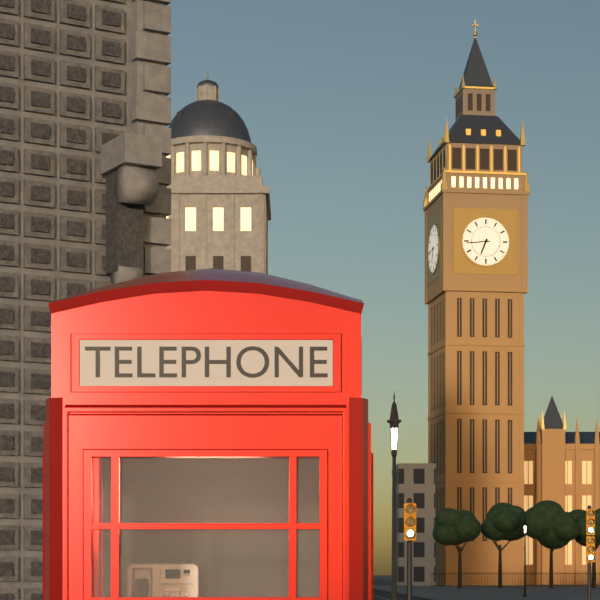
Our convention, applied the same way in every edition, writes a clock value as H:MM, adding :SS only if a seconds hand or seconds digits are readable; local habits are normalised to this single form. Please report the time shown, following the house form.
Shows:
6:44
